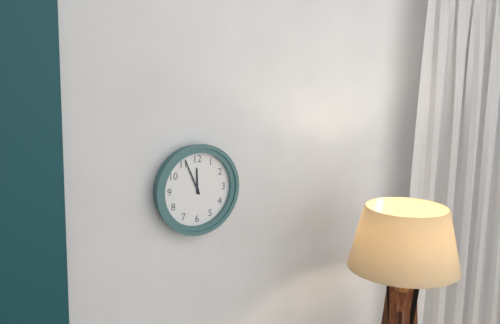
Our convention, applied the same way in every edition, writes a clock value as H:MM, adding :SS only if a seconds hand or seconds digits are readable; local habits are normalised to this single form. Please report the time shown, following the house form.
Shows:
11:56
